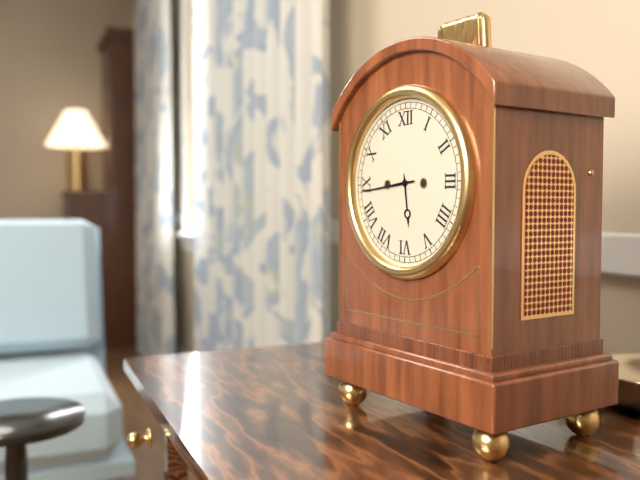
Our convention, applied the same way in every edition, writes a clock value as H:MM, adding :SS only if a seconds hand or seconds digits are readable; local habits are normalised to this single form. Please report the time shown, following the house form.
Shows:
5:44
